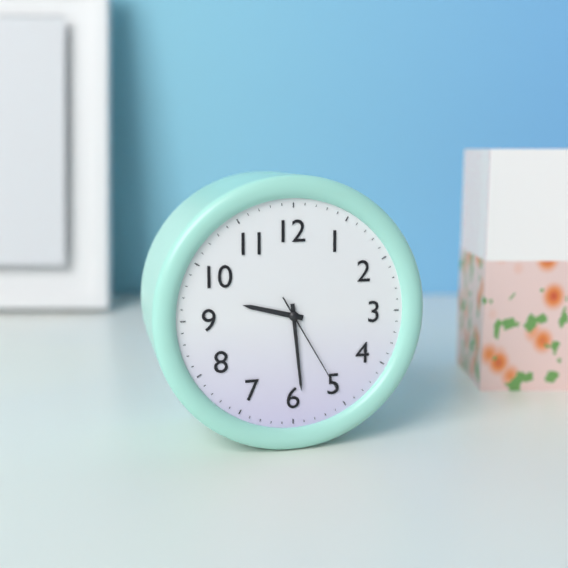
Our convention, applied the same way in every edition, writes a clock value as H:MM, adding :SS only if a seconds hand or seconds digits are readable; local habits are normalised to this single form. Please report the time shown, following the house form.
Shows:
9:29:25
